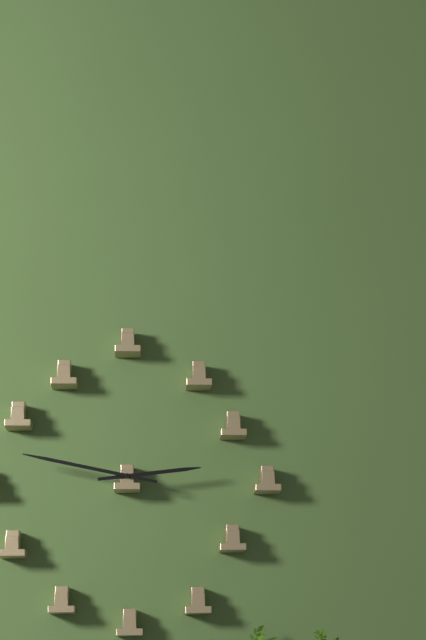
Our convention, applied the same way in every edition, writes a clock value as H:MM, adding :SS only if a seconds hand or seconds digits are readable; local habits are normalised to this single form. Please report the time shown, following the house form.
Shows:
2:47
